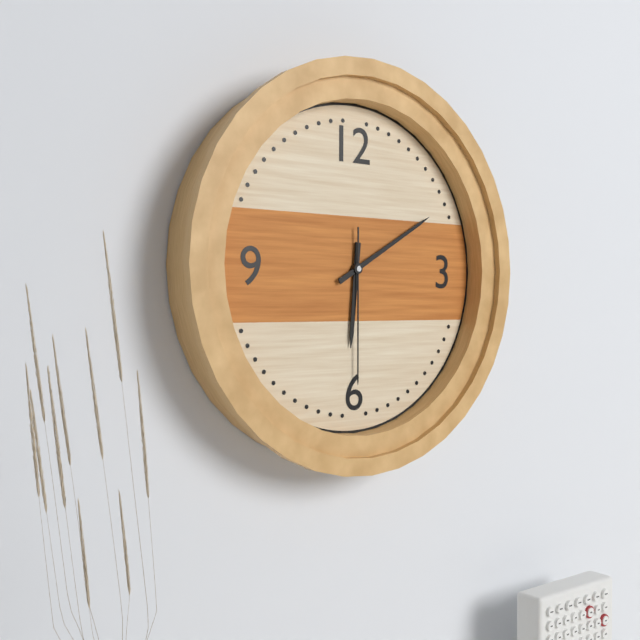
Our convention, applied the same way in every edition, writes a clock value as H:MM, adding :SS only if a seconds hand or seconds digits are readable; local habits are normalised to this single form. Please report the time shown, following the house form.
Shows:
6:10:30
